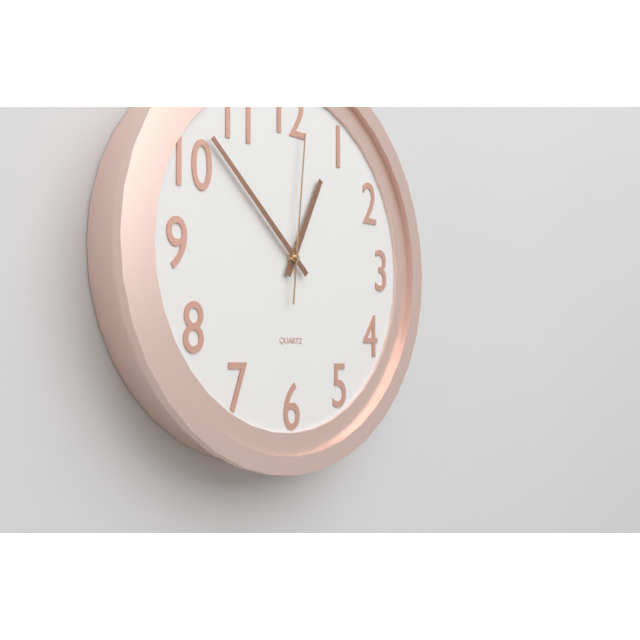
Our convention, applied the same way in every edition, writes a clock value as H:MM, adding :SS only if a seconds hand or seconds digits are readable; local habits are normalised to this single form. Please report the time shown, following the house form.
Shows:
12:52:01
